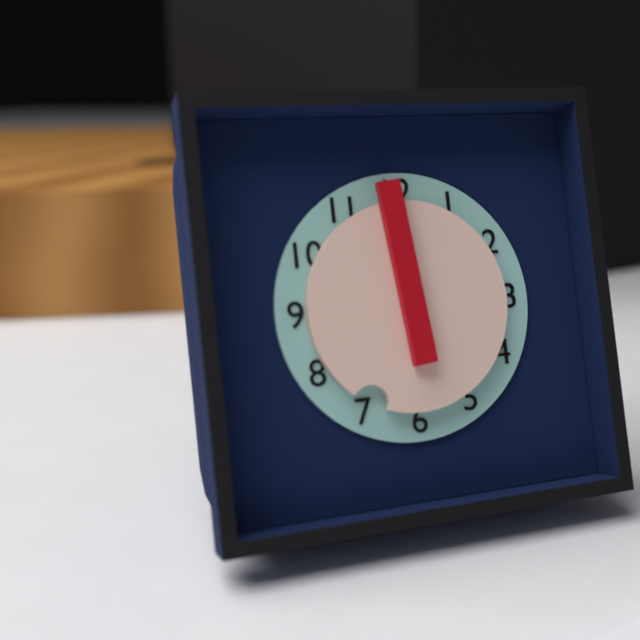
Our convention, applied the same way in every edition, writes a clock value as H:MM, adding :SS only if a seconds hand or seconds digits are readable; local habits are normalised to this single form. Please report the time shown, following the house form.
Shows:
6:59
